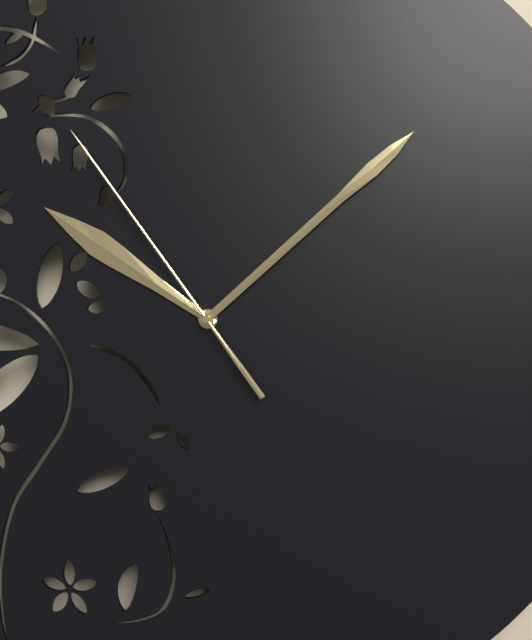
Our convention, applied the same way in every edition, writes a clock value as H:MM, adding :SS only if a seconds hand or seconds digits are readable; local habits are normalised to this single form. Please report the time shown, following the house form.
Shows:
10:08:54
